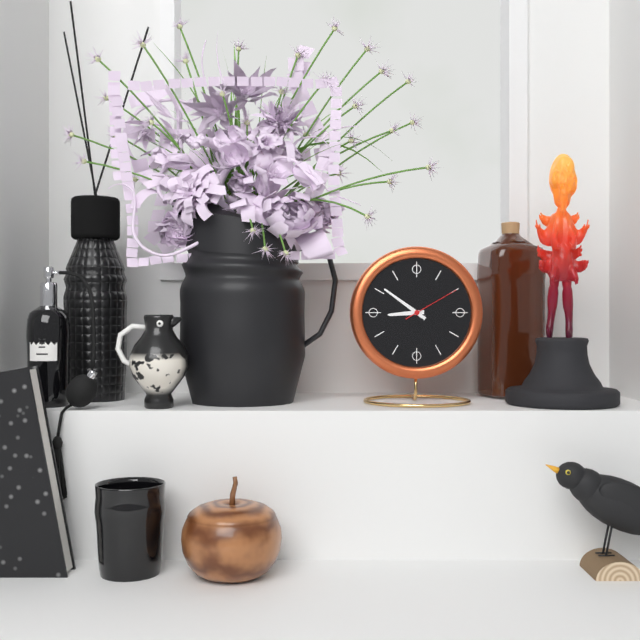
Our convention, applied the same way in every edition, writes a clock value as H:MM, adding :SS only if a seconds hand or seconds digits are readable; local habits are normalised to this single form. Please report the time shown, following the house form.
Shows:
8:51:10
